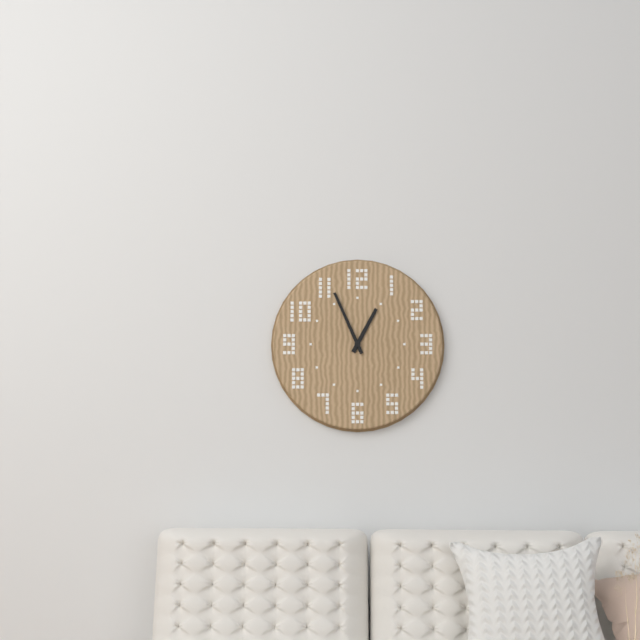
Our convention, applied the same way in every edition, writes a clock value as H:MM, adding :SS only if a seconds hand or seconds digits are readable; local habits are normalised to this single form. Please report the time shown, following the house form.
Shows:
12:56
